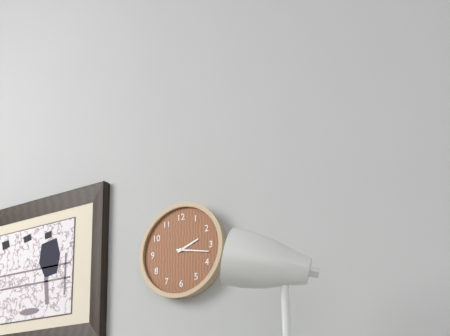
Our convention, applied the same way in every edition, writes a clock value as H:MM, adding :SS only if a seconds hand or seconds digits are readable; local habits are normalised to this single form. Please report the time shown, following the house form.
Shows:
2:17
